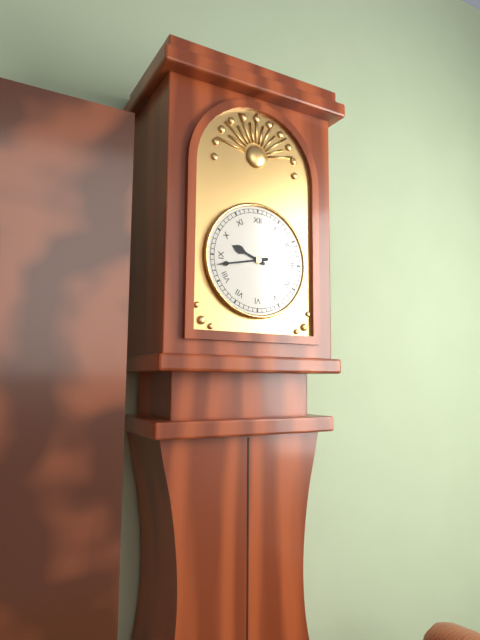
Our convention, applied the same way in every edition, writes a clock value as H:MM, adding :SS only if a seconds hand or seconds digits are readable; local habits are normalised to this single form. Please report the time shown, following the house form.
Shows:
9:43
